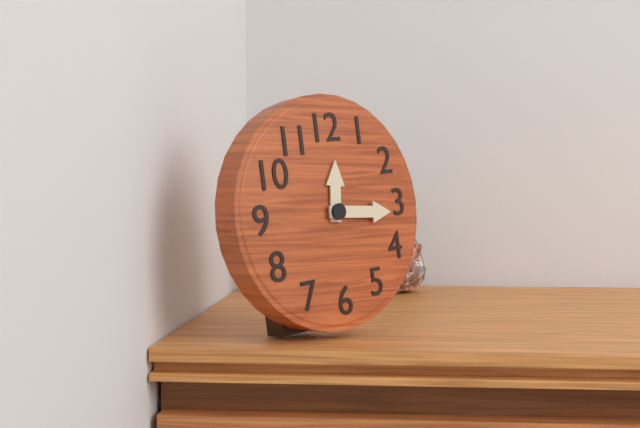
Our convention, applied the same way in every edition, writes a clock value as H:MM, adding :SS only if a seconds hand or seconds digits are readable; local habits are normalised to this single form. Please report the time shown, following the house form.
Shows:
12:16
